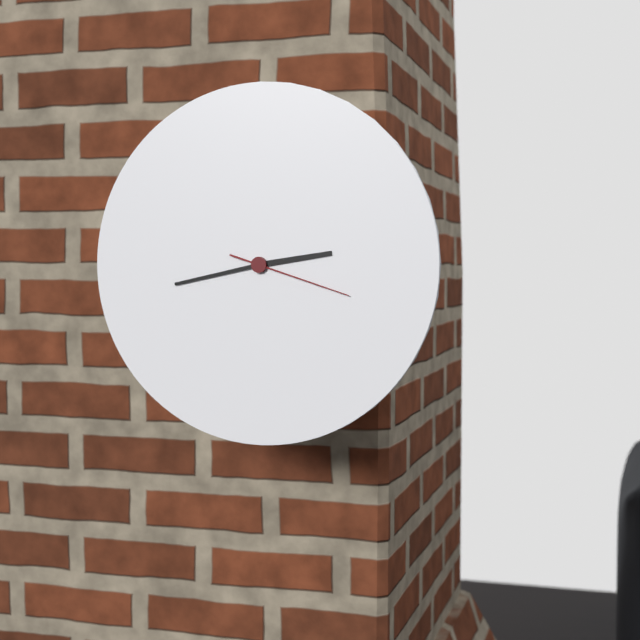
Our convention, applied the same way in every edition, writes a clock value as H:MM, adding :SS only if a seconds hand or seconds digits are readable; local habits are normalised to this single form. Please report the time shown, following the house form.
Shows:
2:43:18
